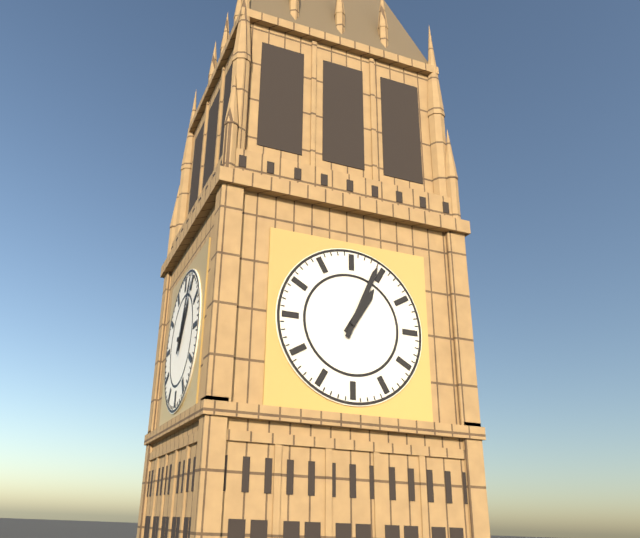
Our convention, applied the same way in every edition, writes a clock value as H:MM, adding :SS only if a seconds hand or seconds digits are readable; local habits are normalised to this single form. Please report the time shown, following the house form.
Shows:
1:04
